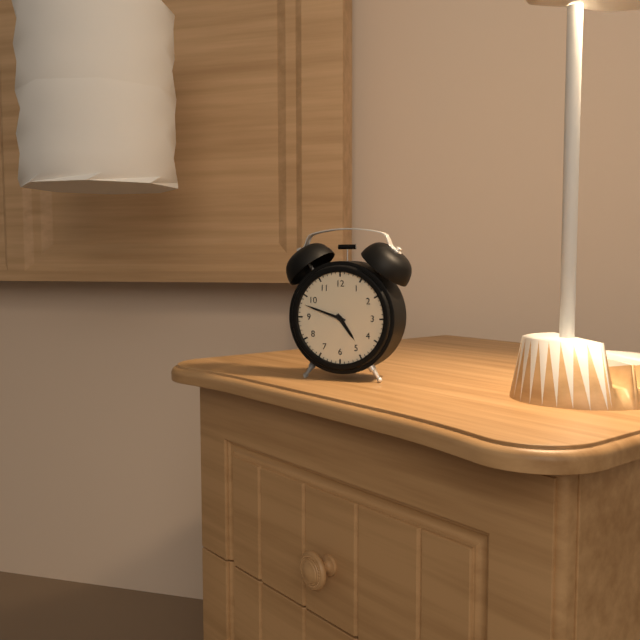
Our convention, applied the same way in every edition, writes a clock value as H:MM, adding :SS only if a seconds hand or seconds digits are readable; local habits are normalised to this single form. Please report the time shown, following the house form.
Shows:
4:48
